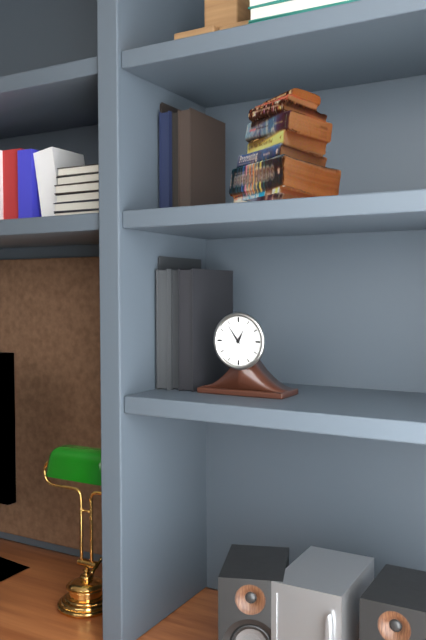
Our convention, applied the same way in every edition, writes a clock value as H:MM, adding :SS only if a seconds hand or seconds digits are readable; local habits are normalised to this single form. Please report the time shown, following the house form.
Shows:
12:54
